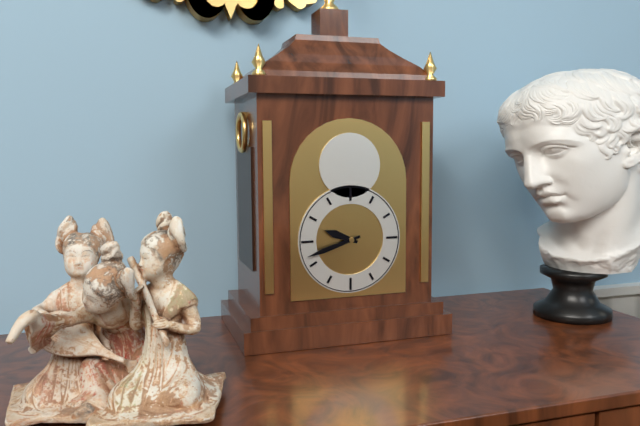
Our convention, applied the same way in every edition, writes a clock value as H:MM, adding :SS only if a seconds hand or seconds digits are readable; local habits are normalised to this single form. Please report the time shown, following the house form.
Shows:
9:42
